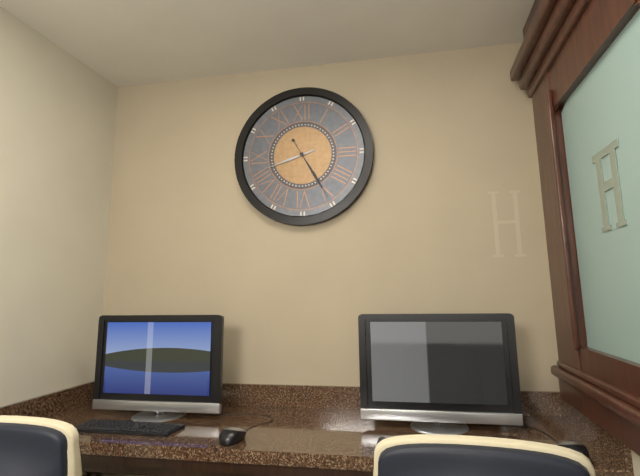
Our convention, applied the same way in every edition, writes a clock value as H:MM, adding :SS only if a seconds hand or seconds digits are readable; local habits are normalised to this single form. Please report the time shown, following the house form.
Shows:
8:25
